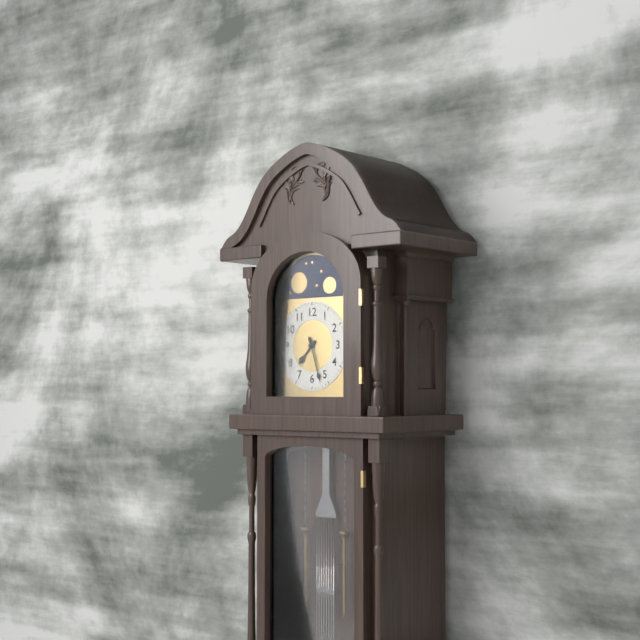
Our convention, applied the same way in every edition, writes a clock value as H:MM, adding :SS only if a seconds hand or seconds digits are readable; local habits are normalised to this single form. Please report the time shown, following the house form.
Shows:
7:27
